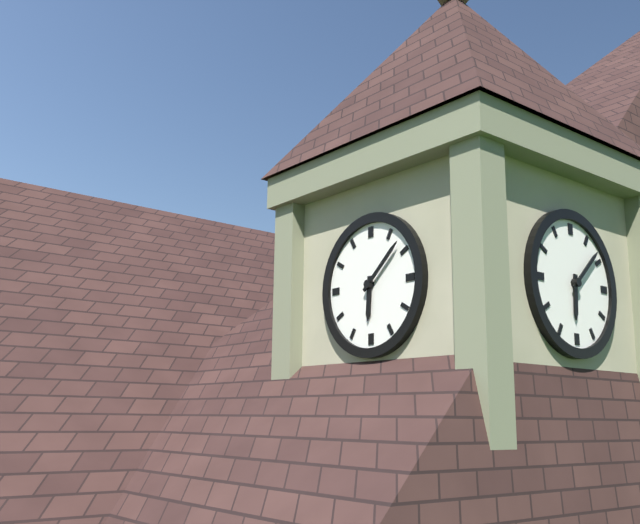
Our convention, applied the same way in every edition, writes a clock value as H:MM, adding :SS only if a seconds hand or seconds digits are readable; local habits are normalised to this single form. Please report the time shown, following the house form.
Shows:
6:08
